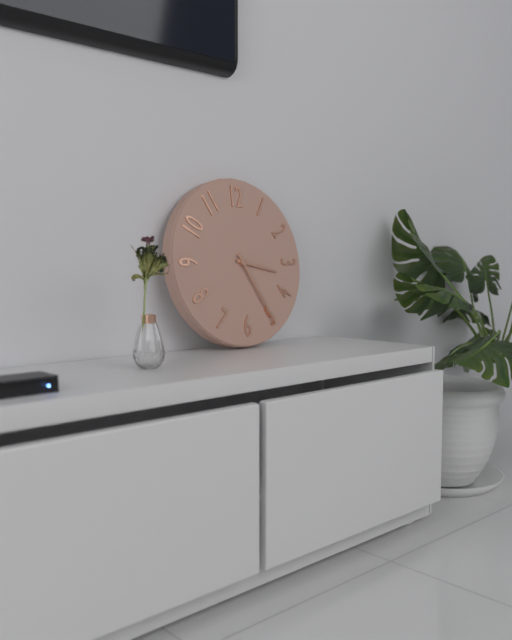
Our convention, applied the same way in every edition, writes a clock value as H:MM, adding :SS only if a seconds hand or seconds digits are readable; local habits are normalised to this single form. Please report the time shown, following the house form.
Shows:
3:25
